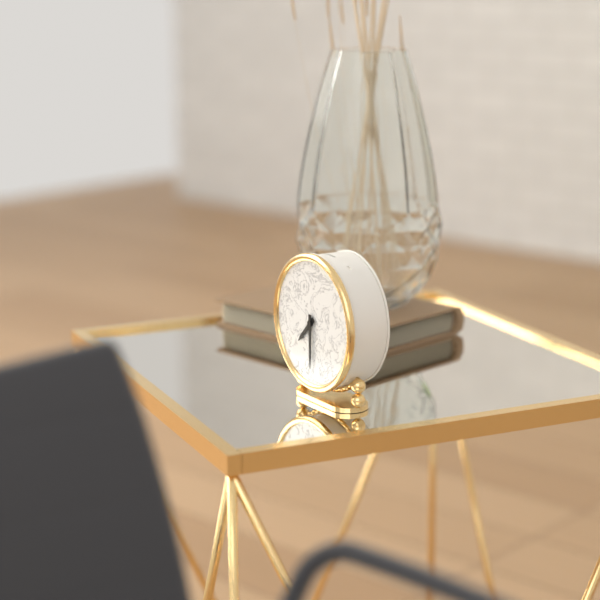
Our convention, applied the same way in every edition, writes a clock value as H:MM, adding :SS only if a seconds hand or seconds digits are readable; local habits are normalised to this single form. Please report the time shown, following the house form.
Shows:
7:30
